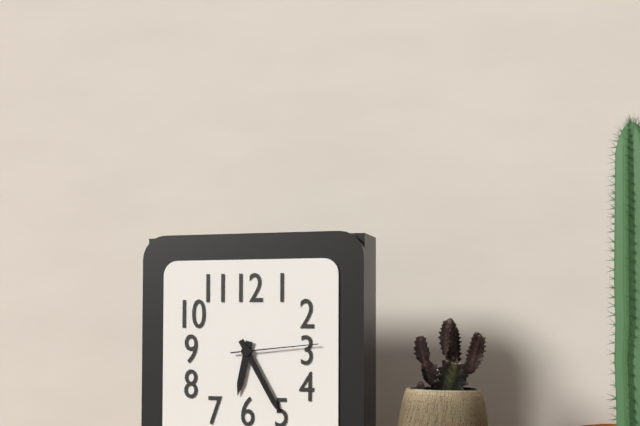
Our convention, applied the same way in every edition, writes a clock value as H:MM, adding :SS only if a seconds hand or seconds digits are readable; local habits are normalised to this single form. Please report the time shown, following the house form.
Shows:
6:25:14
